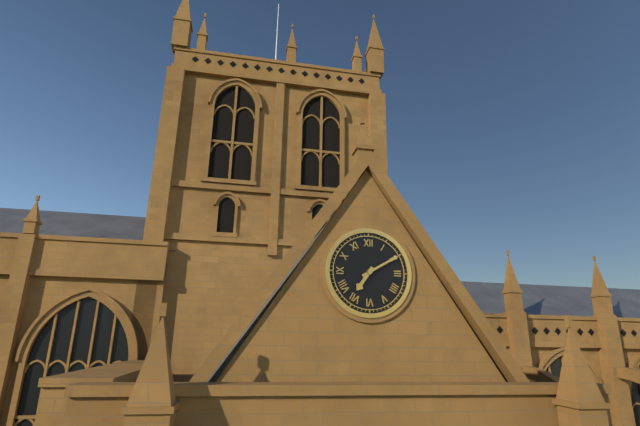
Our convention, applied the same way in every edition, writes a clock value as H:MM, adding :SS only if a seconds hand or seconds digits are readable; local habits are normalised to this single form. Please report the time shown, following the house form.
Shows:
7:10
